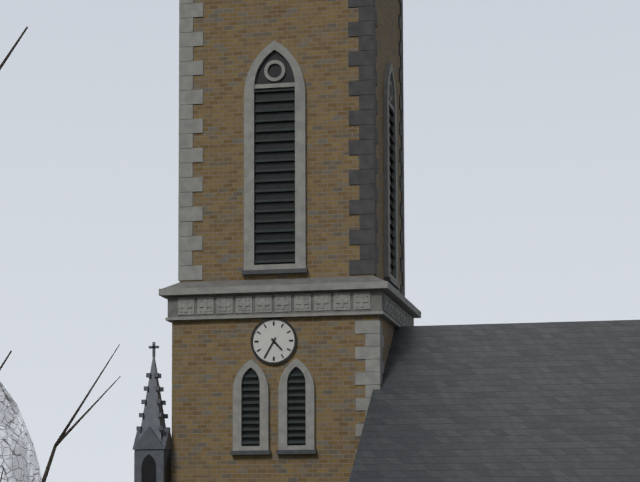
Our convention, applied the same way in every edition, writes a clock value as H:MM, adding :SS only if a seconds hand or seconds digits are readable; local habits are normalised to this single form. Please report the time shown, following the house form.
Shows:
4:35
